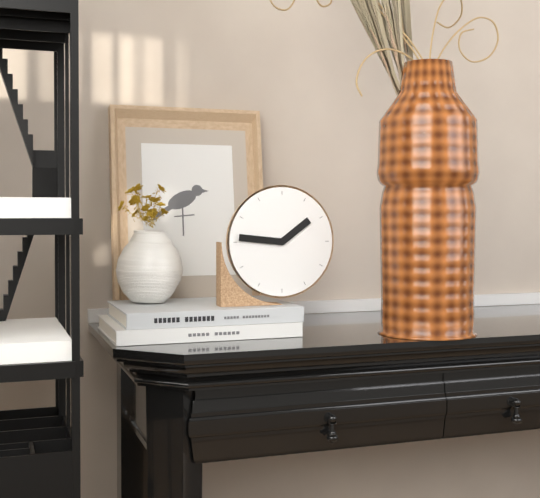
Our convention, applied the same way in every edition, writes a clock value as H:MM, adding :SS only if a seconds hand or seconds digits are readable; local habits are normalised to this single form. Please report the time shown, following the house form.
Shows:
1:46
